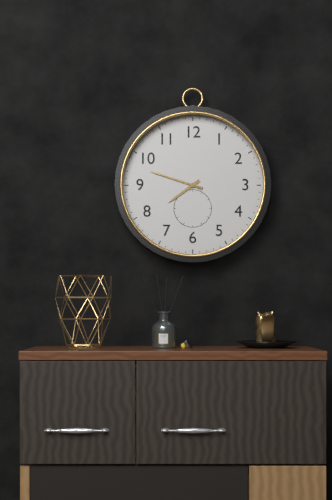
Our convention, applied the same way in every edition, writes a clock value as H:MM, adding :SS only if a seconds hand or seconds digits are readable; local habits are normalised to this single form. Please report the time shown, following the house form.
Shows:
7:48
